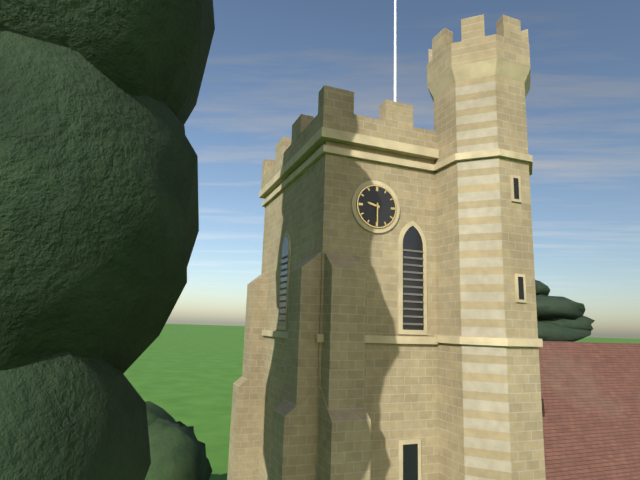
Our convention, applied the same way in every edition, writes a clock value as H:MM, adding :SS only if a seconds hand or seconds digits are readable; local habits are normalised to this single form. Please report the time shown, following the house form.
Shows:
9:30
